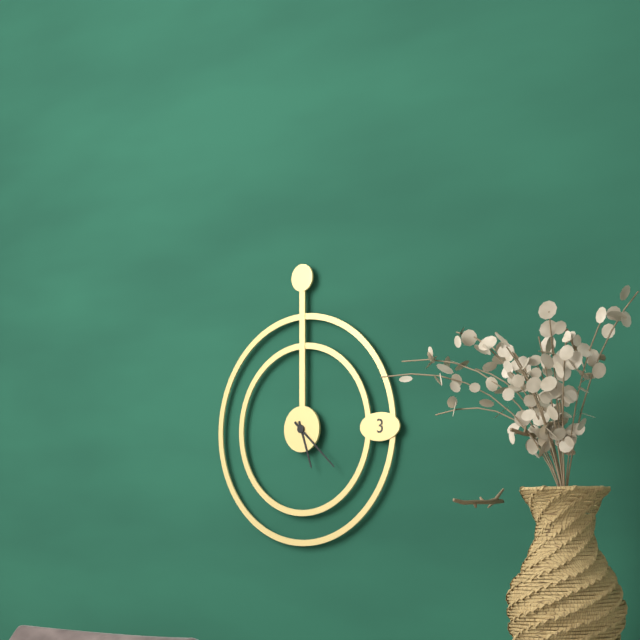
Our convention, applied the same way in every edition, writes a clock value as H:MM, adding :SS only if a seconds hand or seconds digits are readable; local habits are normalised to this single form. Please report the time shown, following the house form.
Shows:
5:22
